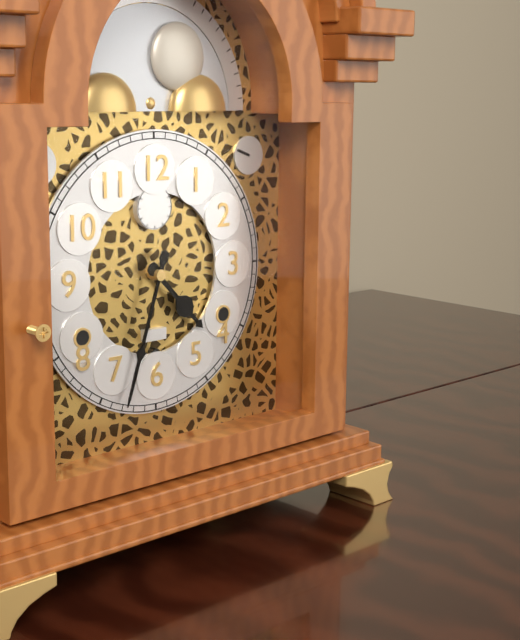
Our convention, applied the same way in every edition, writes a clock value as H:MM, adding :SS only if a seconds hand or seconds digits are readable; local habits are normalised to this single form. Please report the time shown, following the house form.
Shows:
4:33
